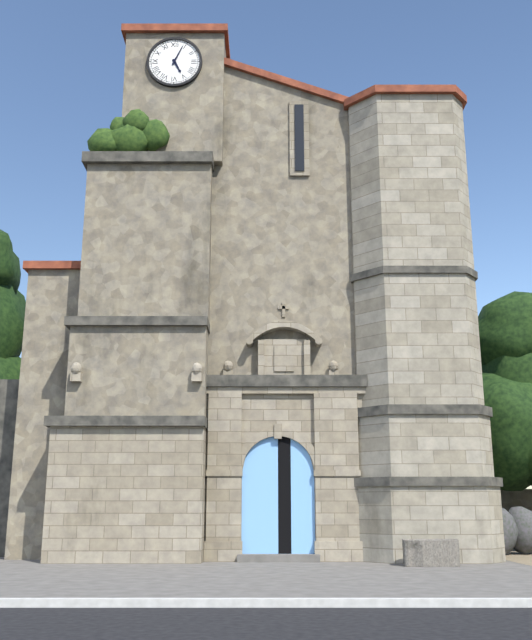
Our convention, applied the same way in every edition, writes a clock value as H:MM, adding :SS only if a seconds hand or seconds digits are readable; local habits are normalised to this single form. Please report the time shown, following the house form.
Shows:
5:04
